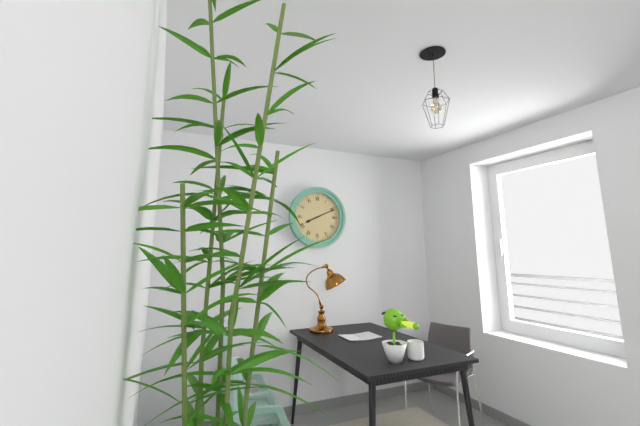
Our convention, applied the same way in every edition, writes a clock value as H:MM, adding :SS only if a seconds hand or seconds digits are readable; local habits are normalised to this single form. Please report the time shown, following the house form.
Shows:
8:11
